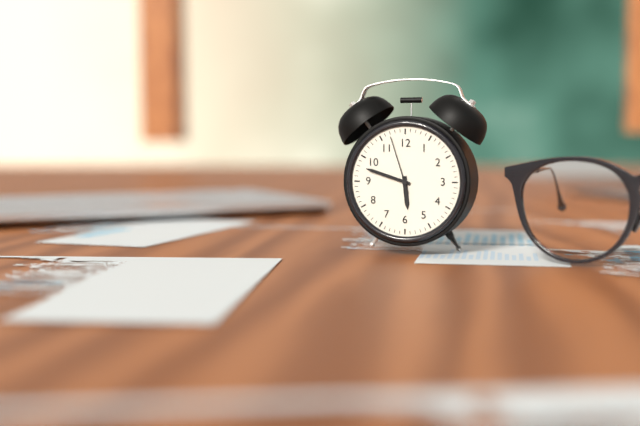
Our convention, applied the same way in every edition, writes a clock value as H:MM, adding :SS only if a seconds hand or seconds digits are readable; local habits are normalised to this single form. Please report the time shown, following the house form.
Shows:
5:48:57
